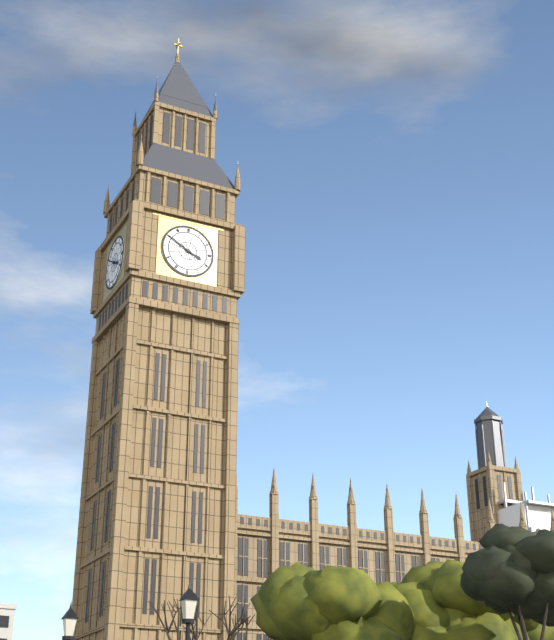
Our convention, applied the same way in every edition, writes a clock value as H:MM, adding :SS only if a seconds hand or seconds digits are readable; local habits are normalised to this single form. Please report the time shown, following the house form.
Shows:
3:50
